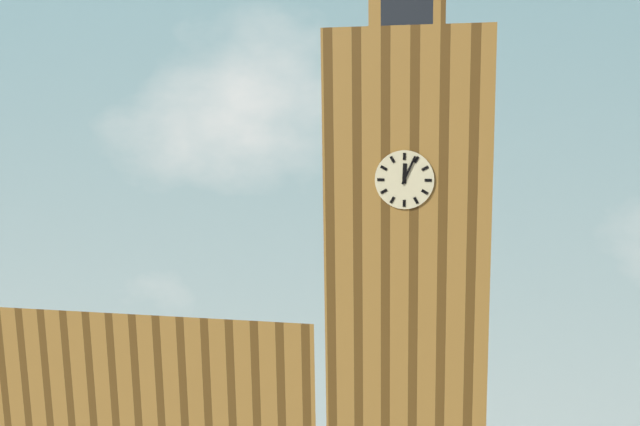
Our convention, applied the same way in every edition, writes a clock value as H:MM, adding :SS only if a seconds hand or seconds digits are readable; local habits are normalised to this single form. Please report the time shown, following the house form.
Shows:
12:04
